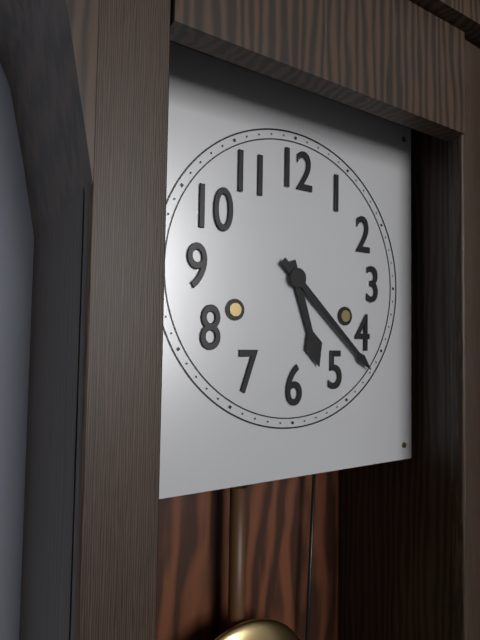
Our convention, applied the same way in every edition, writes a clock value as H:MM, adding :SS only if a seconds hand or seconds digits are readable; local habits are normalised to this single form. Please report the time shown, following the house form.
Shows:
5:22
